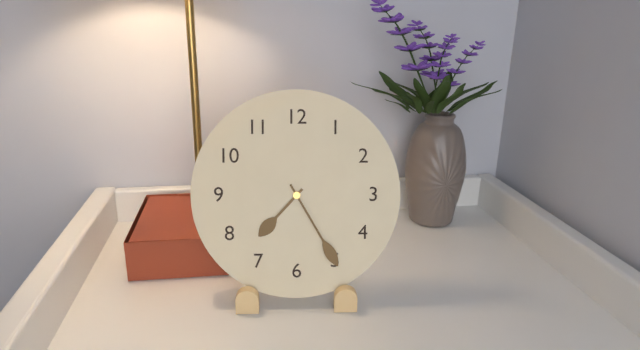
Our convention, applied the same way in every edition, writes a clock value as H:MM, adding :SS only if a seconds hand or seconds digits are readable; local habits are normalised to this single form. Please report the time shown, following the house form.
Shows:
7:25
